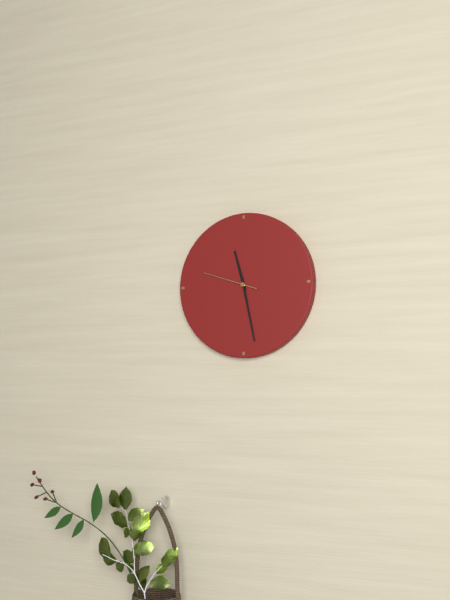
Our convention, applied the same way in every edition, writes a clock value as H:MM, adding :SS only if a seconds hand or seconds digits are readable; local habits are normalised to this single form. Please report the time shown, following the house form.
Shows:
11:28:48
